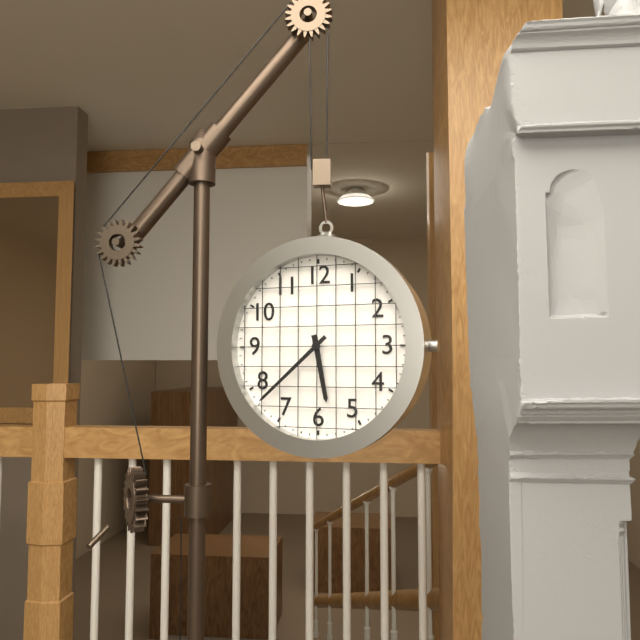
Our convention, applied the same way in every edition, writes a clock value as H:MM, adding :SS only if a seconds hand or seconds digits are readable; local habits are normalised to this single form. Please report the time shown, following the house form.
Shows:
5:38
